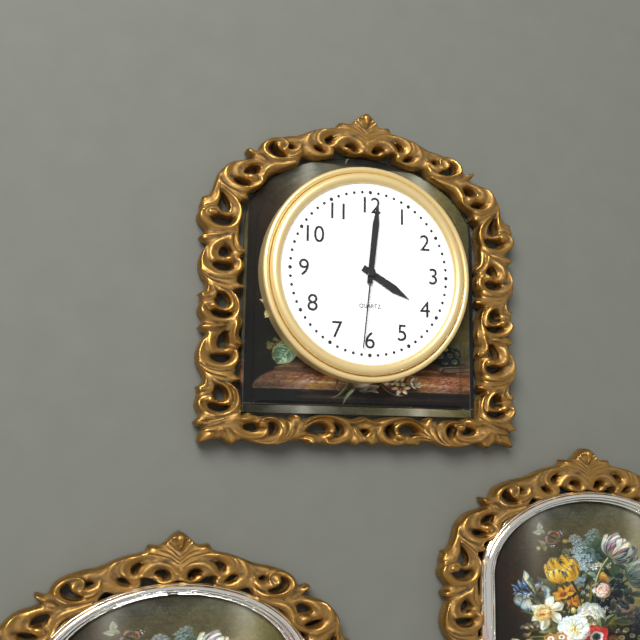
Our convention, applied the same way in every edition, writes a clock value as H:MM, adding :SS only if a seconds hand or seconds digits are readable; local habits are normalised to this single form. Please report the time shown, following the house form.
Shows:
4:01:31
